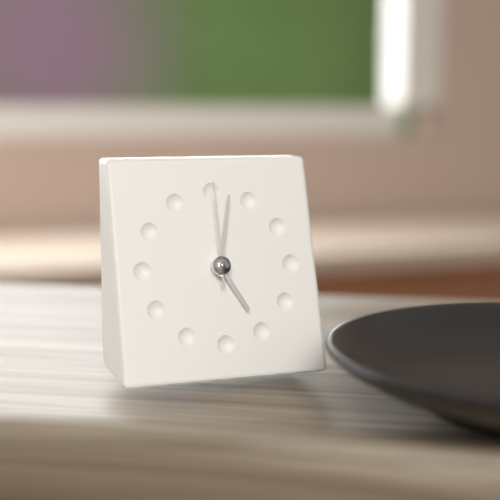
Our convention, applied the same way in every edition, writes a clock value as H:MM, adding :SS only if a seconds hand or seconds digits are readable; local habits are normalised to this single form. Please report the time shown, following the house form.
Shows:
5:02:00
